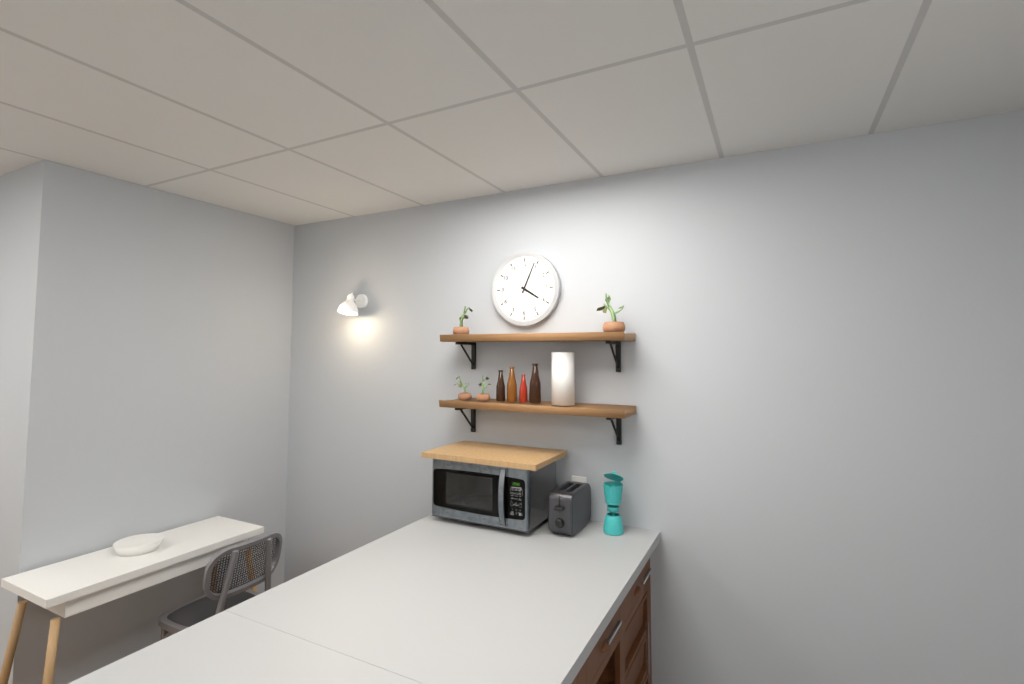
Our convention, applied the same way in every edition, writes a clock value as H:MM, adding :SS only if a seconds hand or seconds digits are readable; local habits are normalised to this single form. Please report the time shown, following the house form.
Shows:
4:04
